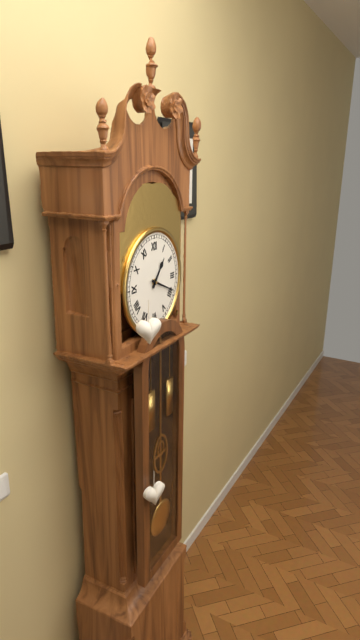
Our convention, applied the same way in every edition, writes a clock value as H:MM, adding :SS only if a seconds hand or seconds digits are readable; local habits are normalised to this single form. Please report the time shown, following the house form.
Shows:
1:19
